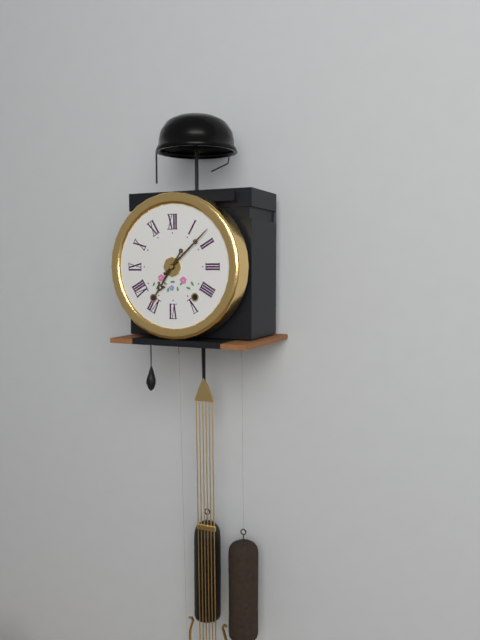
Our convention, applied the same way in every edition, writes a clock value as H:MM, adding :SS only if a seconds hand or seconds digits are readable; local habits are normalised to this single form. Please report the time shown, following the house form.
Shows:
7:08
